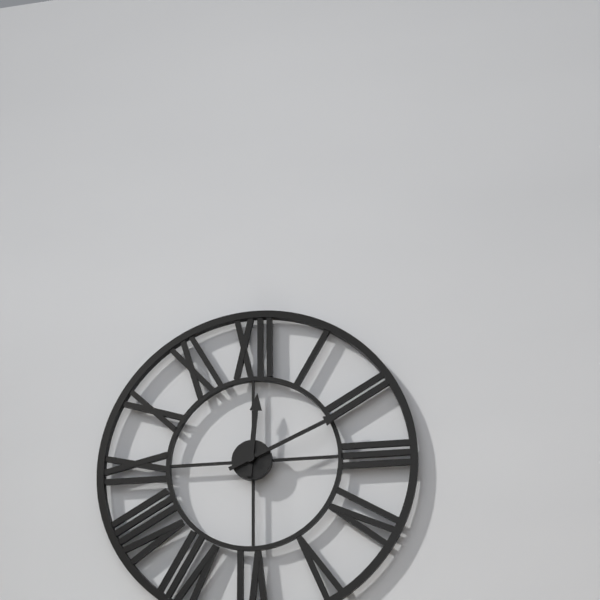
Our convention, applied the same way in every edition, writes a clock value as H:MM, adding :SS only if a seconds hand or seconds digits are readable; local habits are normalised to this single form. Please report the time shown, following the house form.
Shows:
12:11
